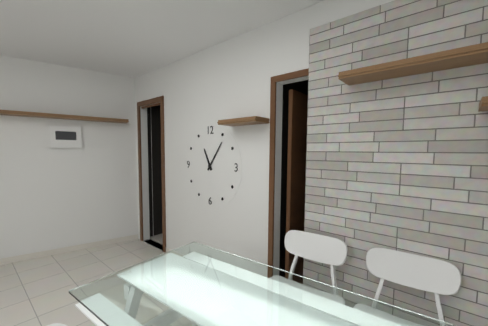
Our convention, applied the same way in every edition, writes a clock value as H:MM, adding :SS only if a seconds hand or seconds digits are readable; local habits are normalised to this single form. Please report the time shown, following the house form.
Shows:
11:06
